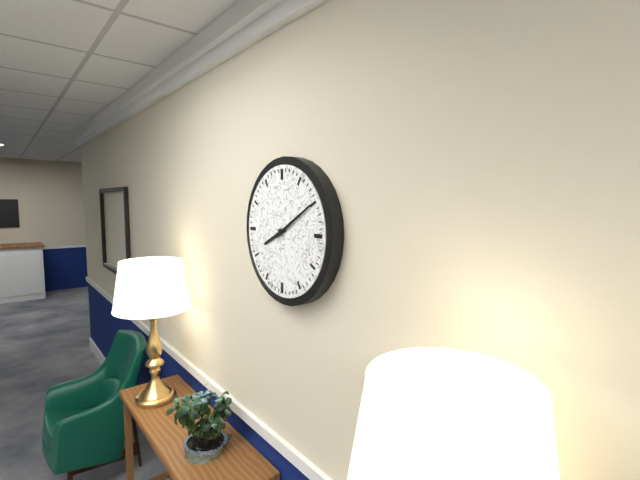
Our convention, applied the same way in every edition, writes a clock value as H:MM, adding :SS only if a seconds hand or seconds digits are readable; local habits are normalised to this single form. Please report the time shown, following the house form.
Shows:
8:10
